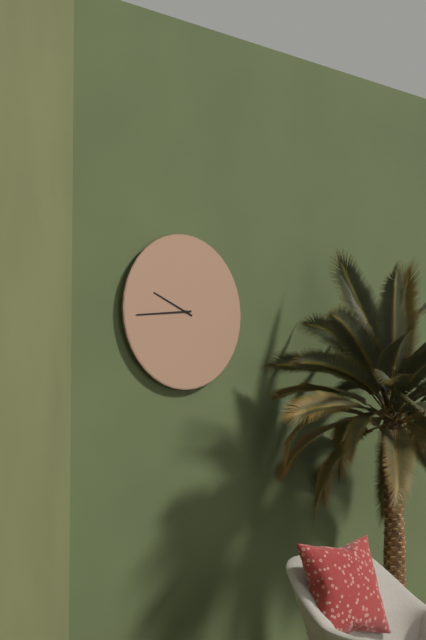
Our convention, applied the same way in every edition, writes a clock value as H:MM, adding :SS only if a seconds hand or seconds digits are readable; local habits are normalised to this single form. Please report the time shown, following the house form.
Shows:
9:44
